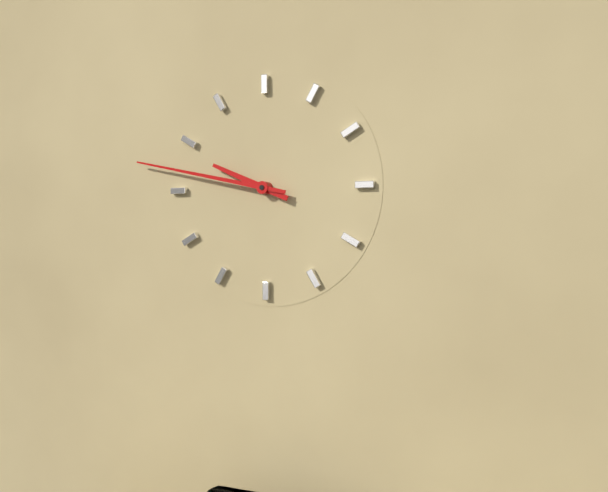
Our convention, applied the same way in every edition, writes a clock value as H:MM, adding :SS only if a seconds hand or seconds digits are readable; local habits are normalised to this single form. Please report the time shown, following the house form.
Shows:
9:47
